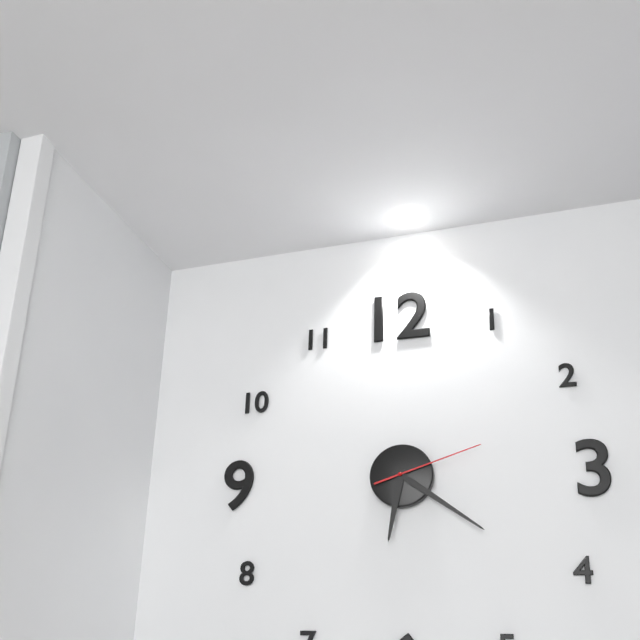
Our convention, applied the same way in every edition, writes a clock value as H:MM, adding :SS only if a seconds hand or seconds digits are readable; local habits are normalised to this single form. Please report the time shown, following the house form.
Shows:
6:21:12
